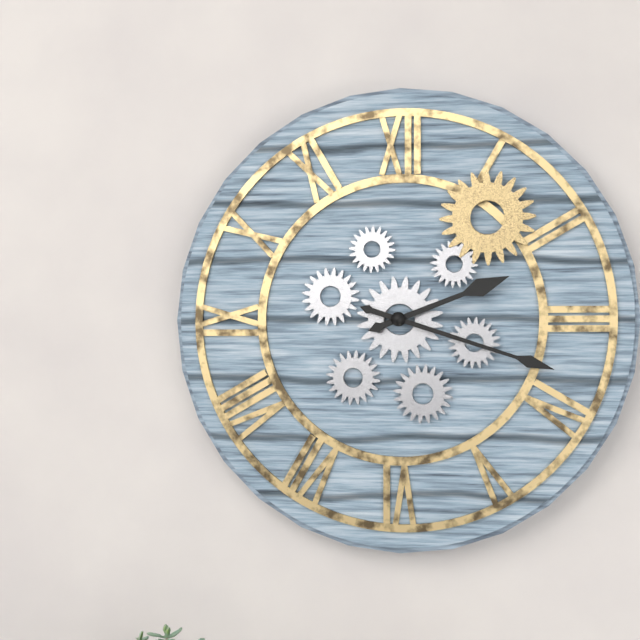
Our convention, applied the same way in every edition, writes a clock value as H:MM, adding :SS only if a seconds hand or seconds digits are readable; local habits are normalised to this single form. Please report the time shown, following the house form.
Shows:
2:18
